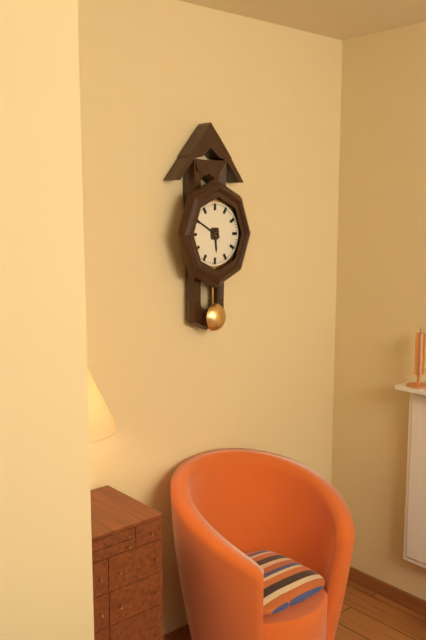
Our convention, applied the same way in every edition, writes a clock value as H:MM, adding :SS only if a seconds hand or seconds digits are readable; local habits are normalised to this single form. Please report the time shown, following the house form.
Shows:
5:50
